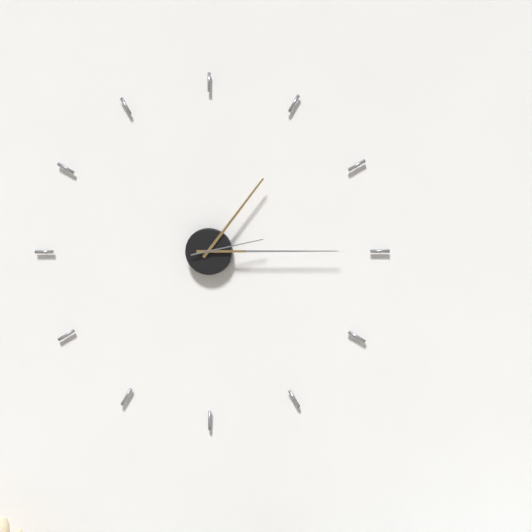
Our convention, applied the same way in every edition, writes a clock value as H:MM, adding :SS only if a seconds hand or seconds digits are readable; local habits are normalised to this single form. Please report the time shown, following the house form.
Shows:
1:15:13
